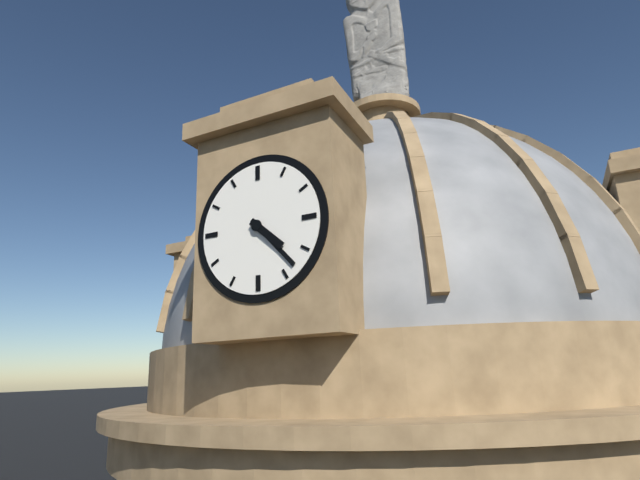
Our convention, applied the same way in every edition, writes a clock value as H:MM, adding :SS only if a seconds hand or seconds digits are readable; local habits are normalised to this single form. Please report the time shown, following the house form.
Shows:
4:23
